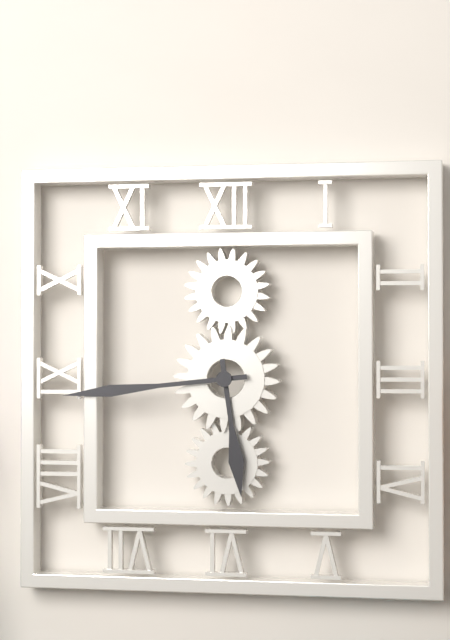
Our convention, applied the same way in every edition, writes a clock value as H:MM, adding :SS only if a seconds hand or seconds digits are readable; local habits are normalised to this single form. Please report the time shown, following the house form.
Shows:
5:44
